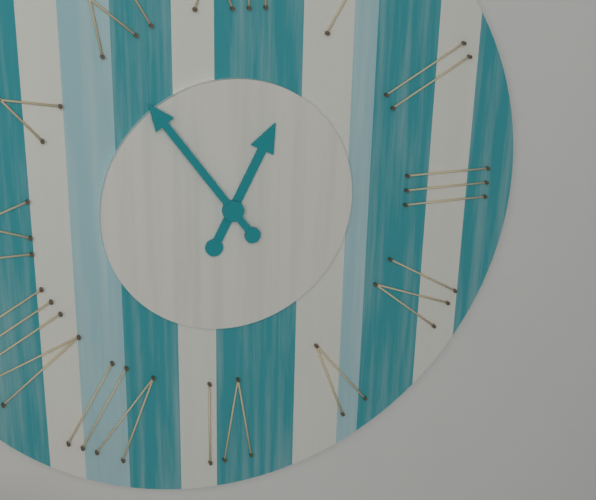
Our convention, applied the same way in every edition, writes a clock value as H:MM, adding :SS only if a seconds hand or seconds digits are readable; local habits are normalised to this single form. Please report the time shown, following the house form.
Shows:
12:54
